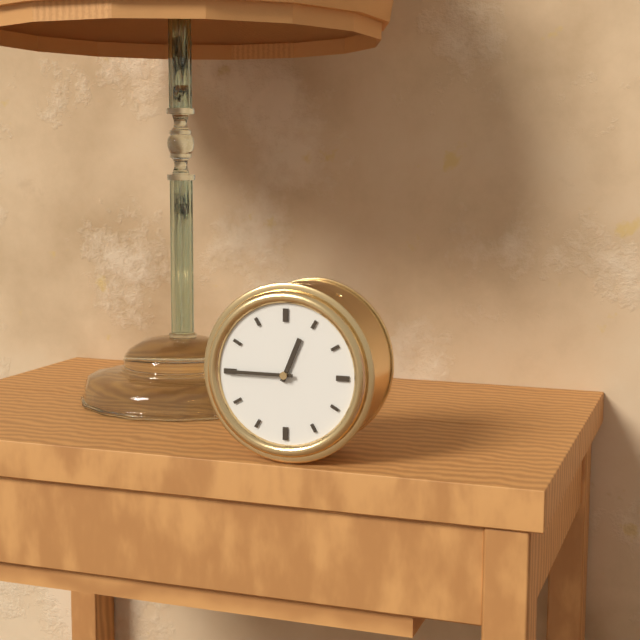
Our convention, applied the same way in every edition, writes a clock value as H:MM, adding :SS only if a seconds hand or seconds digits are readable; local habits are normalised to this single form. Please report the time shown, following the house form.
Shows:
12:45
